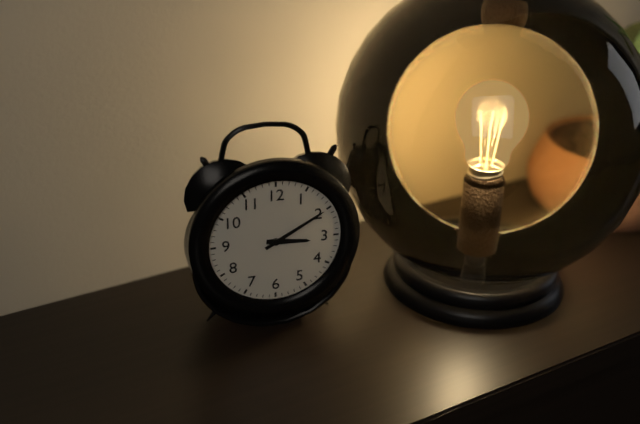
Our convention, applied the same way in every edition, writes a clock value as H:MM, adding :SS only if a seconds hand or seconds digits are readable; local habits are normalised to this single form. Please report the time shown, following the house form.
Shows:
3:10
